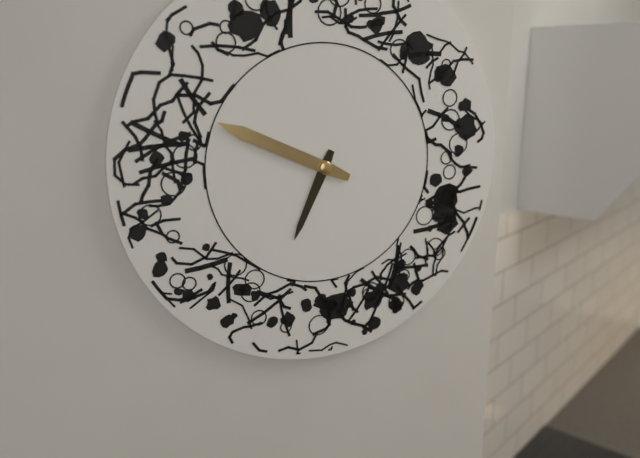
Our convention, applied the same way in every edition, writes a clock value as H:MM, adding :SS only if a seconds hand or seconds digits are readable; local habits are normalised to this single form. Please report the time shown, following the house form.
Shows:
6:49
